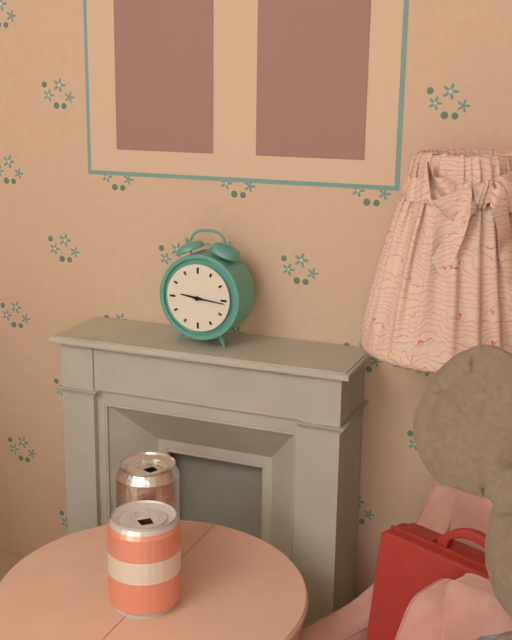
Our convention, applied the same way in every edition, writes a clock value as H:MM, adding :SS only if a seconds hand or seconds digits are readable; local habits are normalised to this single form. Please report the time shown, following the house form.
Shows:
9:16
